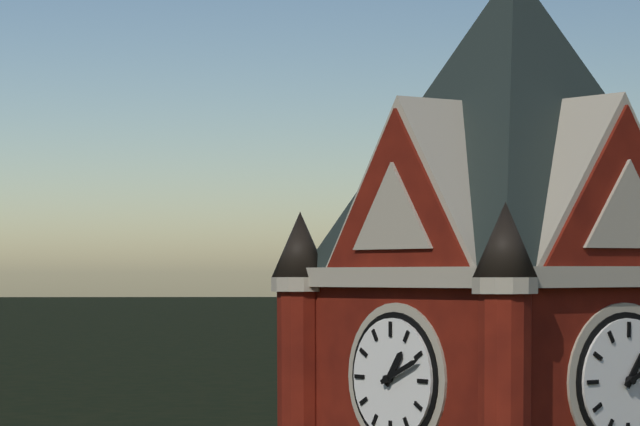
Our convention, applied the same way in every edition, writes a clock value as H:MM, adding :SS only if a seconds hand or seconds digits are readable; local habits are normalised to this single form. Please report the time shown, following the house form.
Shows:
1:11
